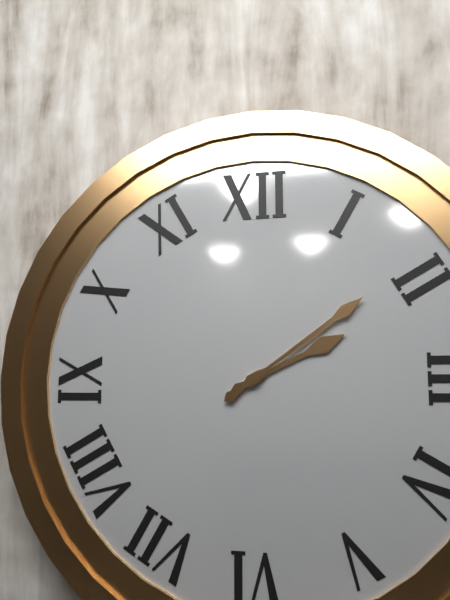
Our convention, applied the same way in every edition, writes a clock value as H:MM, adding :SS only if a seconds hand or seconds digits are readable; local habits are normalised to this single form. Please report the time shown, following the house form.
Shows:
2:09
